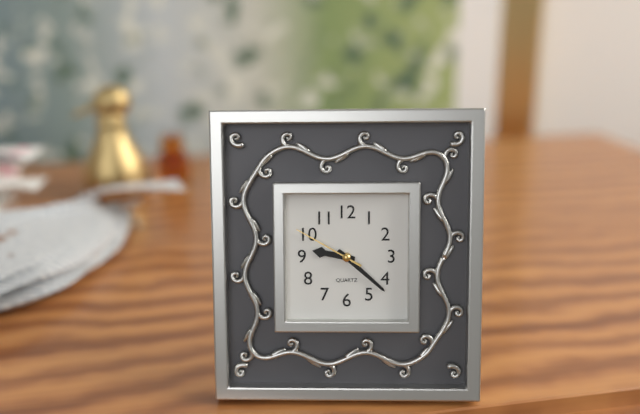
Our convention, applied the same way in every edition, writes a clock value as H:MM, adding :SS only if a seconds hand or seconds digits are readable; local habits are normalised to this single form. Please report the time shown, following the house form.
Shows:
9:22:50
